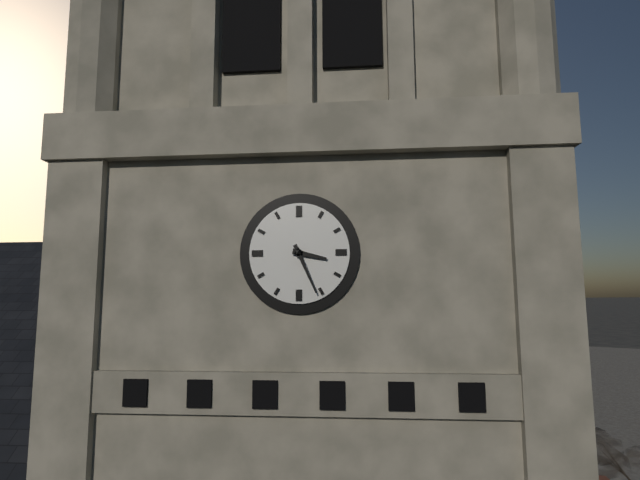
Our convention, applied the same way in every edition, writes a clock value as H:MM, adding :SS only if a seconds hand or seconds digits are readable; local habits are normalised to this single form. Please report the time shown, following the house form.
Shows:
3:26
